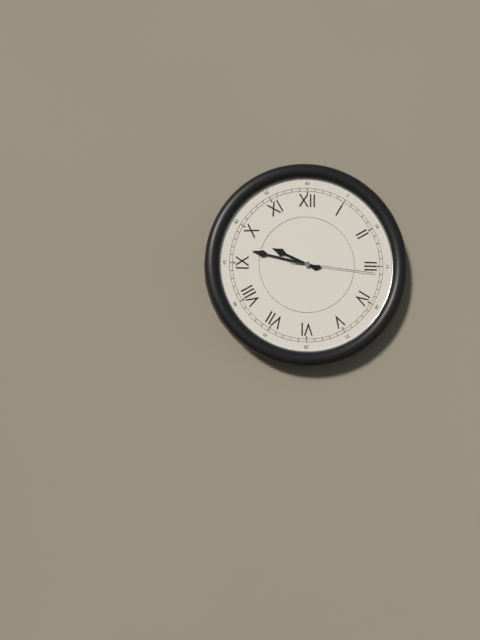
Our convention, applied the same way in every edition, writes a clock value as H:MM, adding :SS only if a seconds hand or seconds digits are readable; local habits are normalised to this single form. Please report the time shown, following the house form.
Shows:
9:47:16
